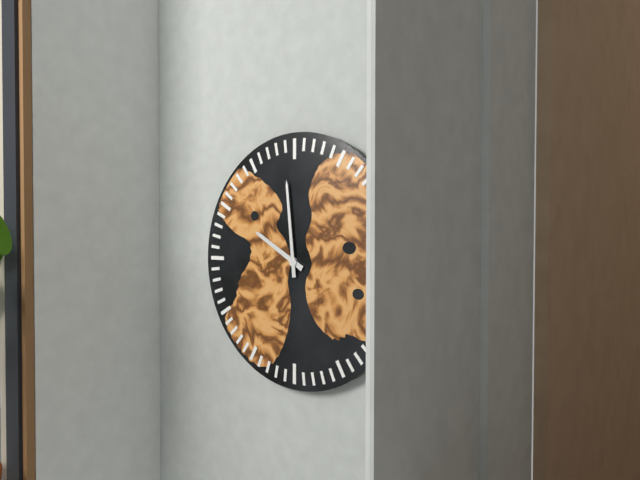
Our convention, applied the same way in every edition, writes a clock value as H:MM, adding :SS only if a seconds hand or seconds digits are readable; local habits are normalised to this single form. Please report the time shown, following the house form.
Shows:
9:59
